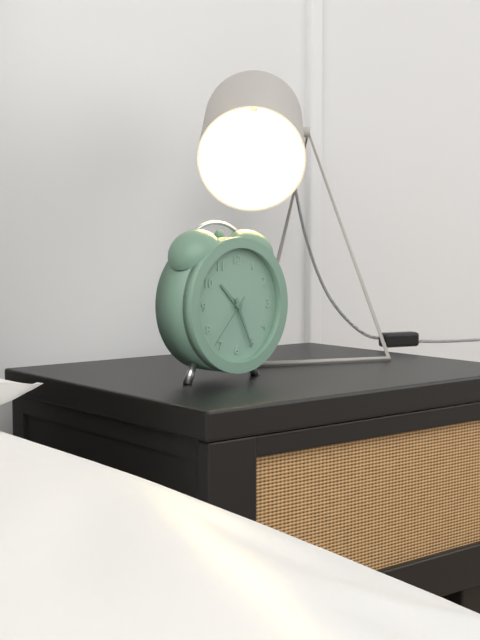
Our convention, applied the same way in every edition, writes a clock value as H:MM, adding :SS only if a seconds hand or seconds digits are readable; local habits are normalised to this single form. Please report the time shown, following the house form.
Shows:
10:26:37
